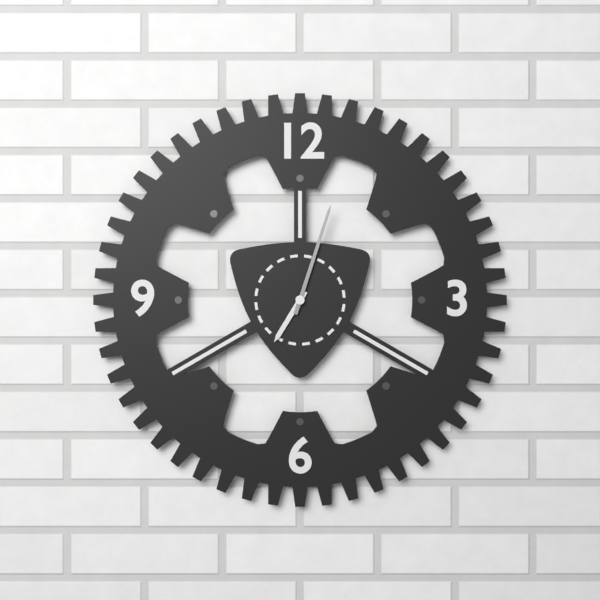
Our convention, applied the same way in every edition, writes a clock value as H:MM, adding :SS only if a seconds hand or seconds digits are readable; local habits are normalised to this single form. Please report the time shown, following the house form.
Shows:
7:03
